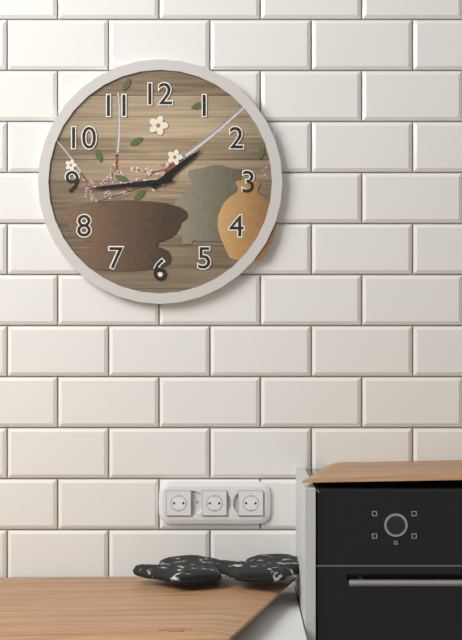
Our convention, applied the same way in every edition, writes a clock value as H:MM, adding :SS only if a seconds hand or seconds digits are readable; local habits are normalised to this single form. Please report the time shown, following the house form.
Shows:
1:44:42
